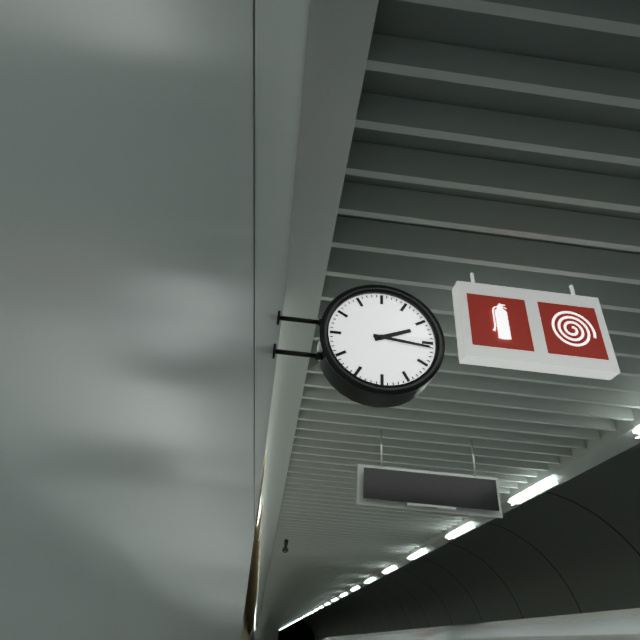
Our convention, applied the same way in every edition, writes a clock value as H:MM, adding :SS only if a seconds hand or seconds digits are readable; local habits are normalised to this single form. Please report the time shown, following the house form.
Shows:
2:16
